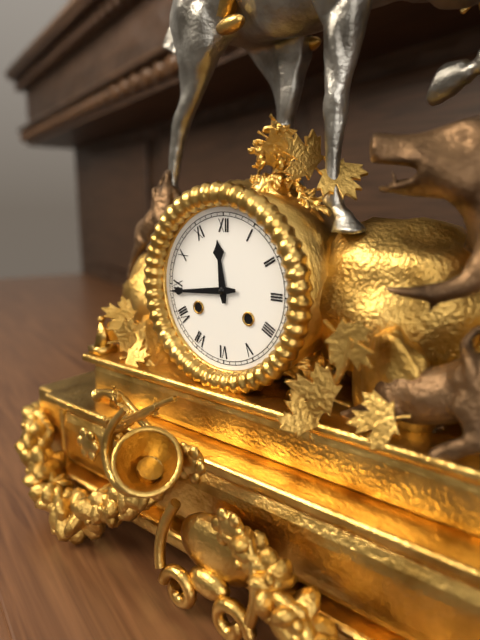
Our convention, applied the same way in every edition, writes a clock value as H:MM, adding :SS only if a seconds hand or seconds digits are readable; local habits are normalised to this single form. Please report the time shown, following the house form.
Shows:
11:44
